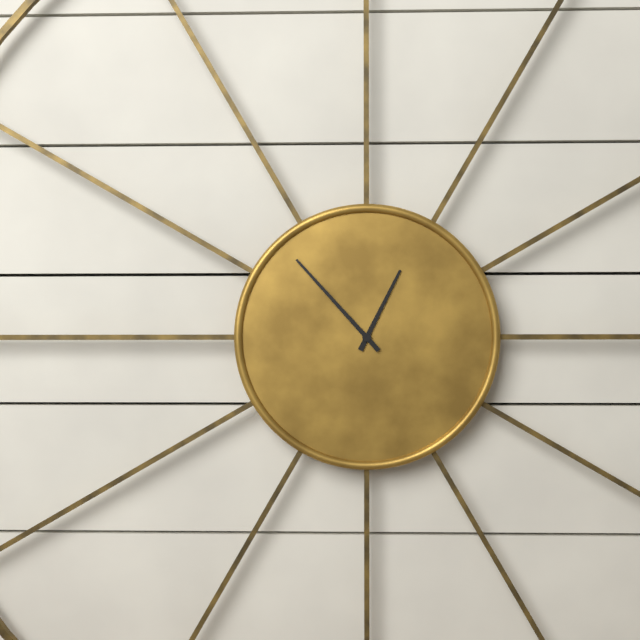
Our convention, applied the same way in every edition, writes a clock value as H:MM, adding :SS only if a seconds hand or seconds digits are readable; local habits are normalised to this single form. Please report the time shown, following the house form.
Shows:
12:53
